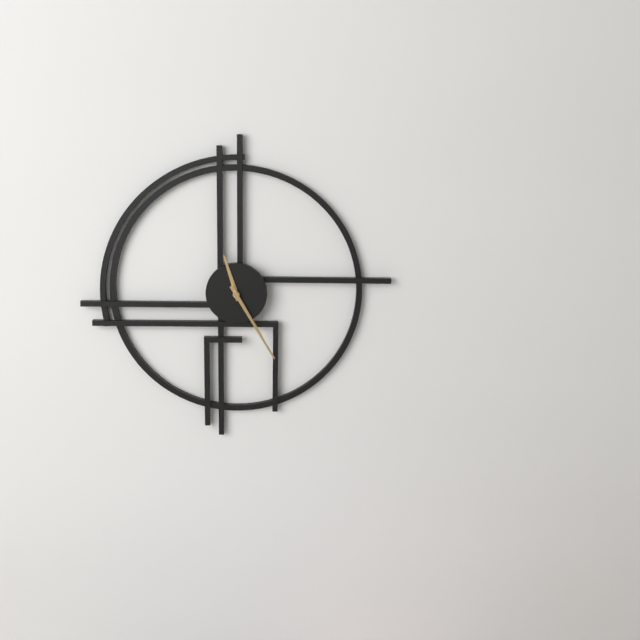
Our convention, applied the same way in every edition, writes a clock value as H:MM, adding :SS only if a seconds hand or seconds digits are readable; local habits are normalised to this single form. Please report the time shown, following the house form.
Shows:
11:25
